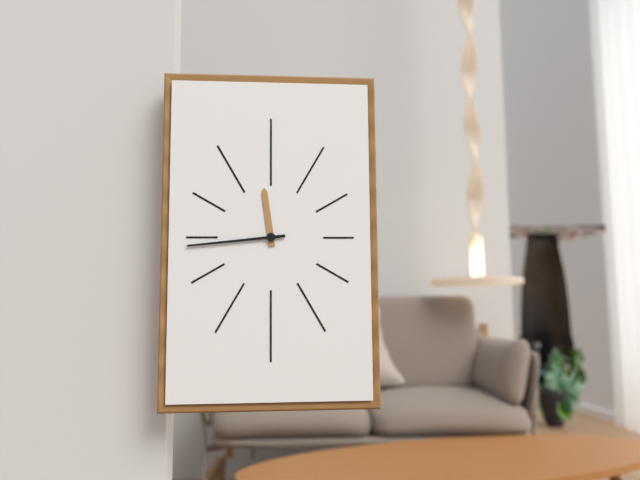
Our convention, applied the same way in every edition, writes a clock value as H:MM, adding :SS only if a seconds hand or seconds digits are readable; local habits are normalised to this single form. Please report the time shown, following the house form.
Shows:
11:44
